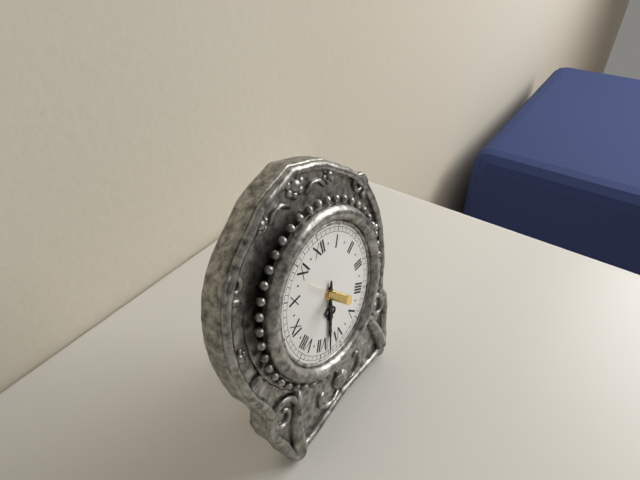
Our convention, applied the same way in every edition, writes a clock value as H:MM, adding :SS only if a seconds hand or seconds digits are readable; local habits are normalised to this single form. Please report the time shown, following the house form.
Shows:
6:33
